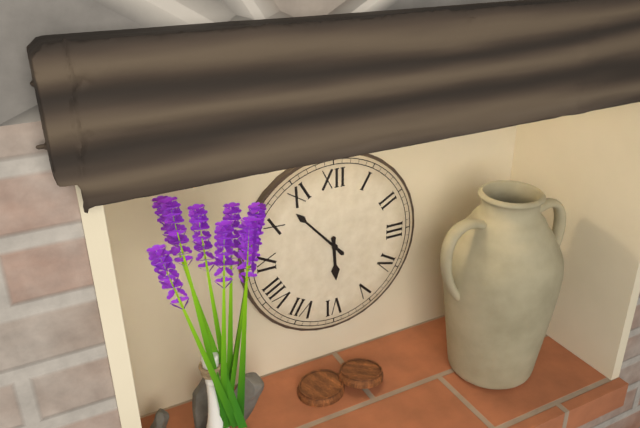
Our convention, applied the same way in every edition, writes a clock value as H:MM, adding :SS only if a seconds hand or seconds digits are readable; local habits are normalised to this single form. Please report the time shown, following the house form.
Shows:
5:53
